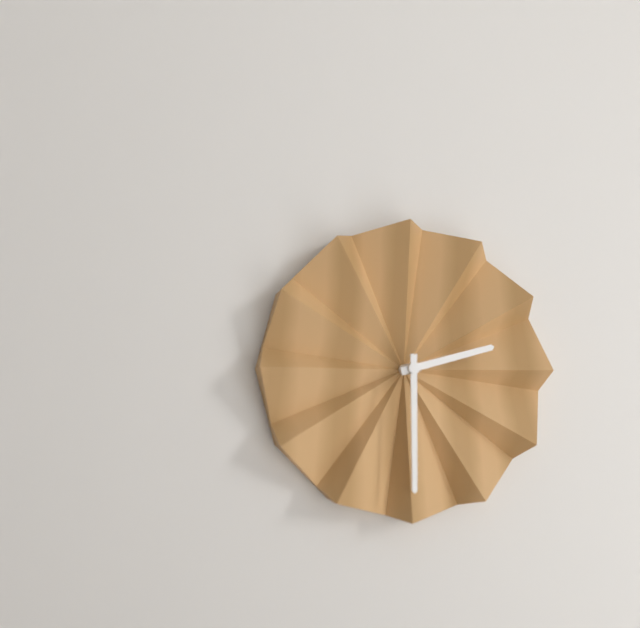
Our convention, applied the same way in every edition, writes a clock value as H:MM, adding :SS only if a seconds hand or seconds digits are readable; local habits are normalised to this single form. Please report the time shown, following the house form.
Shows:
2:30
